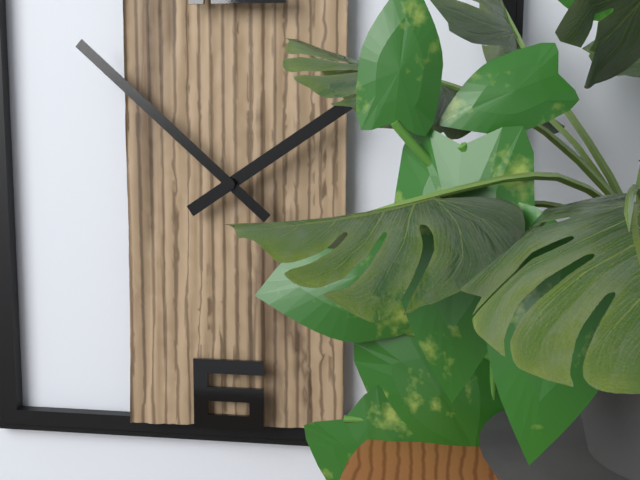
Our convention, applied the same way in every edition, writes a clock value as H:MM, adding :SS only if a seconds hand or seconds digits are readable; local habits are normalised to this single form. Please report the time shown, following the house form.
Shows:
1:52
